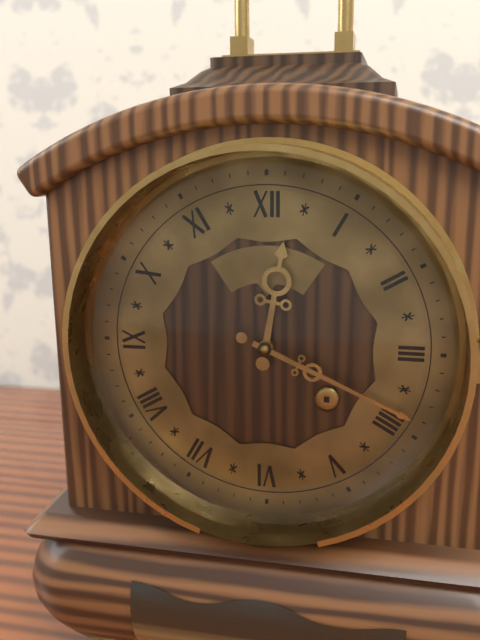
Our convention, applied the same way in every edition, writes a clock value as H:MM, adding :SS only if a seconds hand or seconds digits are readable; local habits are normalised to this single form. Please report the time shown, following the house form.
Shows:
12:19
